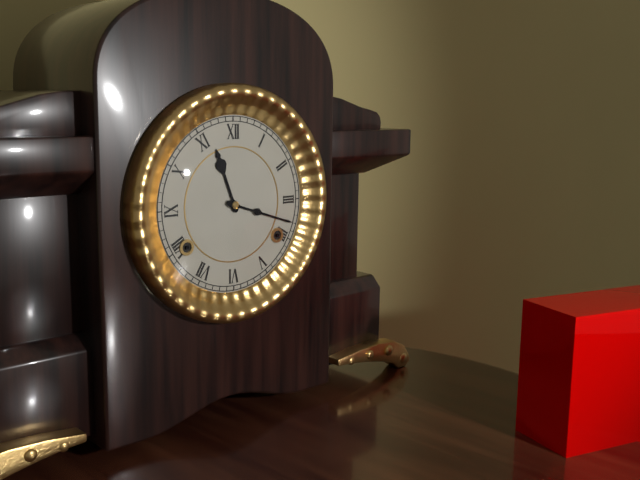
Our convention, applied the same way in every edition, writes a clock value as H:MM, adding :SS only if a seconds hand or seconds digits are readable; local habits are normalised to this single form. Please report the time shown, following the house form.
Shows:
11:18
